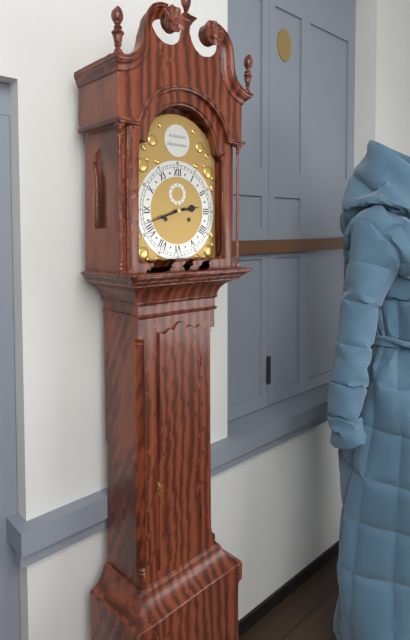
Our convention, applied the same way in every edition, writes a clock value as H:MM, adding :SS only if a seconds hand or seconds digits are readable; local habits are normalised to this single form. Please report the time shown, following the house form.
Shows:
2:42
